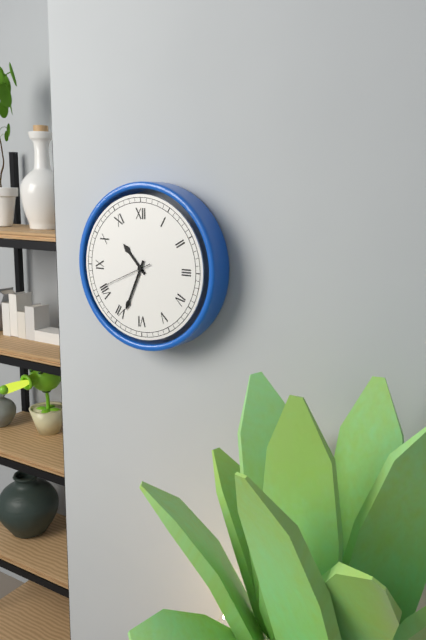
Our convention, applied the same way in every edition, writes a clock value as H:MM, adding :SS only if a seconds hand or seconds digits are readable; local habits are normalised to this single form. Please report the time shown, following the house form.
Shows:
10:34:41
